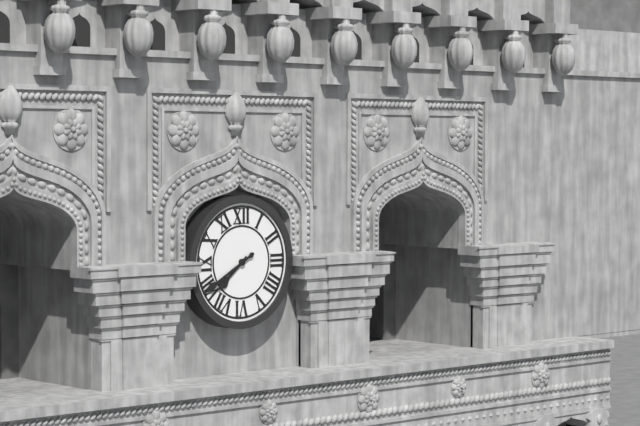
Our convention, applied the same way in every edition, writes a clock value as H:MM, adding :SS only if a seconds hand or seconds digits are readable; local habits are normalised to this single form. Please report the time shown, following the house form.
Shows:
7:40
